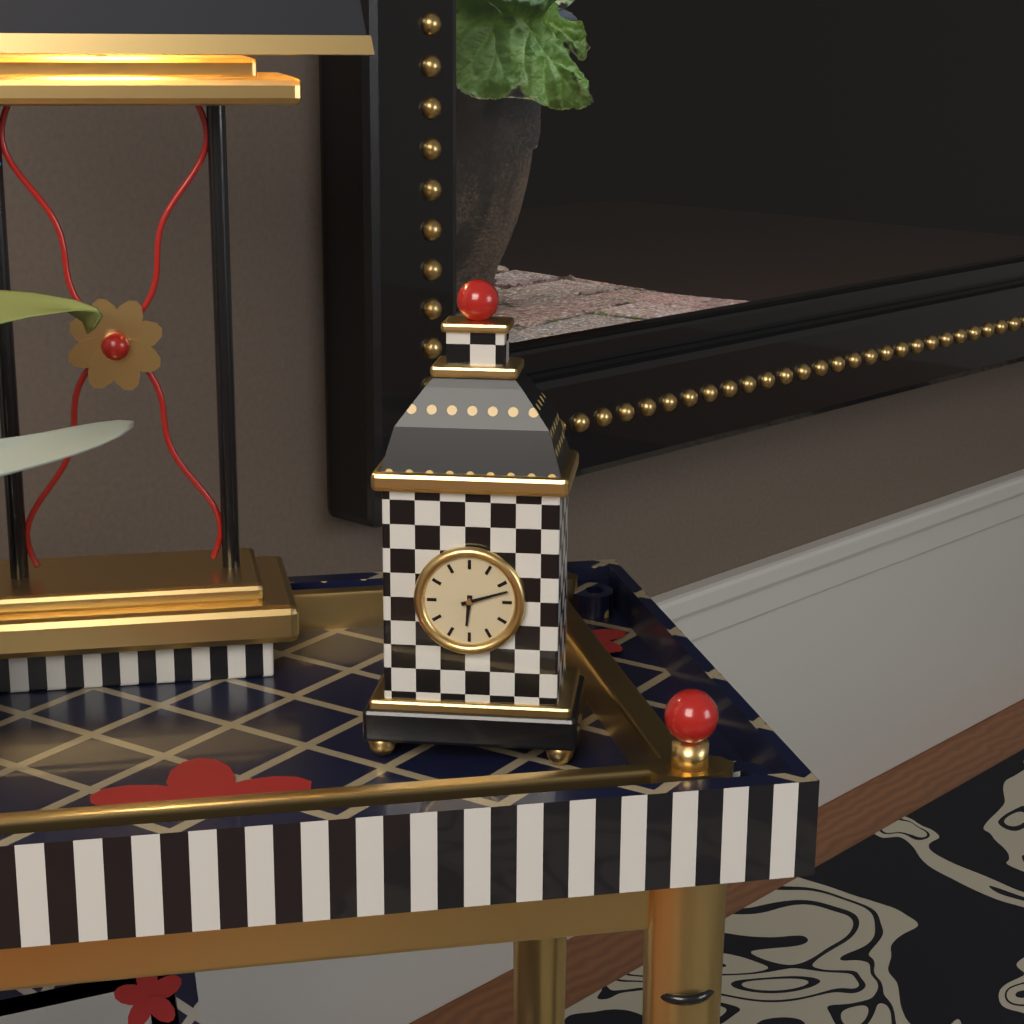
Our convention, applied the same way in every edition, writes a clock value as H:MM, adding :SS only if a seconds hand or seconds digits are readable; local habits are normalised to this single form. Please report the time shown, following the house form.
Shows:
6:12
